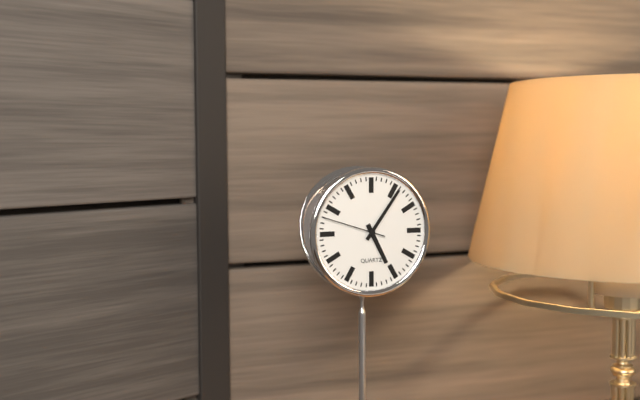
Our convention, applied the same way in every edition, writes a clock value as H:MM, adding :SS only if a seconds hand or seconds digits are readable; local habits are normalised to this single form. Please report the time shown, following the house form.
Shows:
5:06:48
